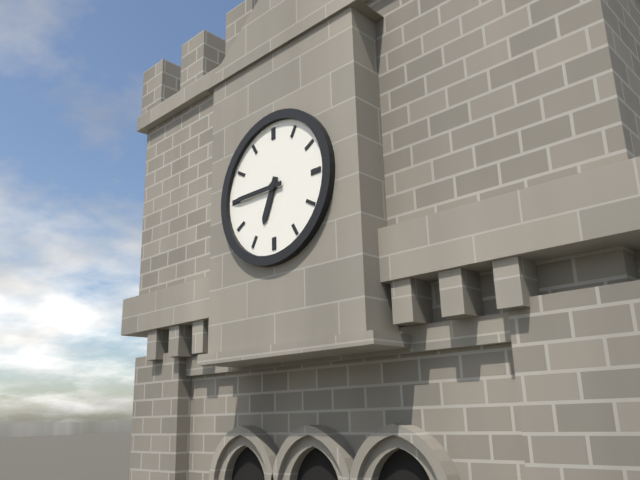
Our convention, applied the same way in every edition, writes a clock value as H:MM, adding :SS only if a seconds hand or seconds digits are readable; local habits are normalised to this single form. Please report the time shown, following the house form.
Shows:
6:45
